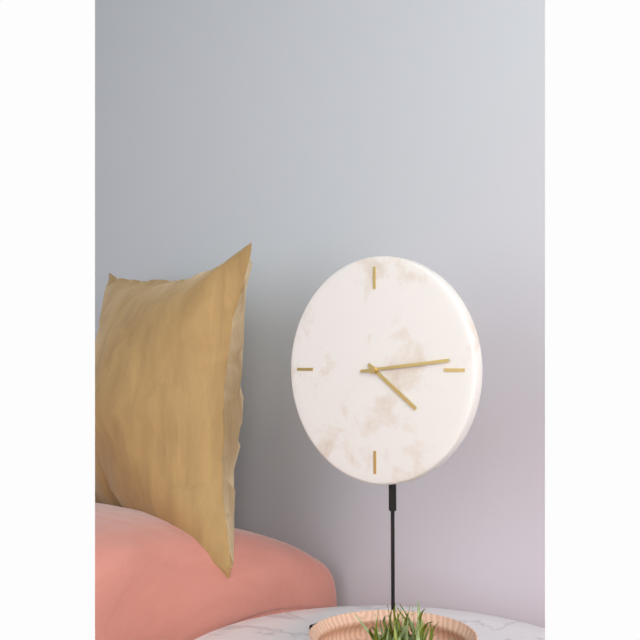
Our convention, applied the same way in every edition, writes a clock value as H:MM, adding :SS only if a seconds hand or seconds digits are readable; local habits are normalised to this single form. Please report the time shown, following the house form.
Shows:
4:14
